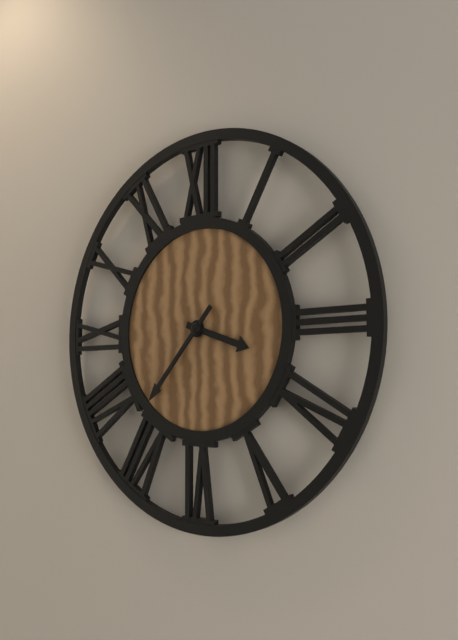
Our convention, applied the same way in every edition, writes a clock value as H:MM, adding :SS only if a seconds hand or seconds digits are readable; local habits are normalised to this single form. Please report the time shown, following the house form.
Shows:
3:37
